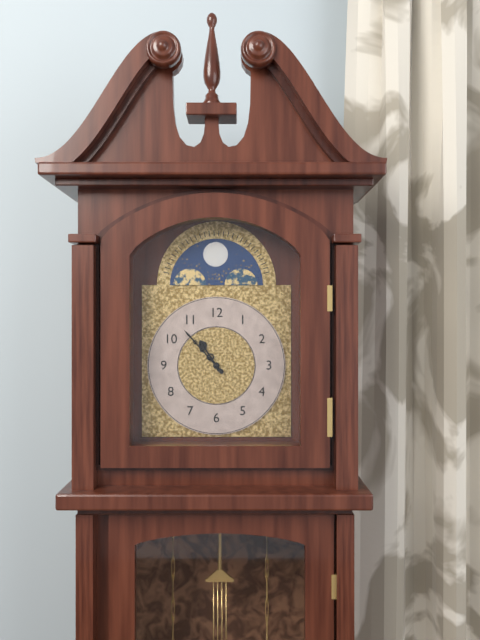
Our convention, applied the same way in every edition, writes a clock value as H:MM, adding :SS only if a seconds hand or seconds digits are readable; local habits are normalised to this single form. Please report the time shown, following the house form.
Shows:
10:53
